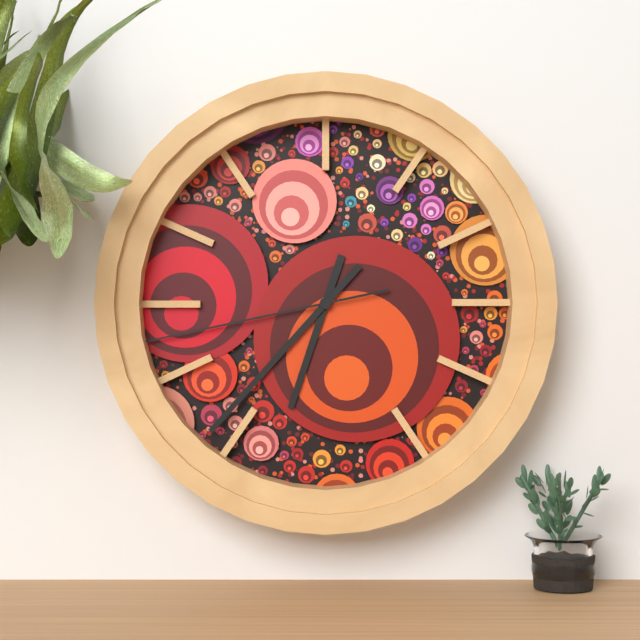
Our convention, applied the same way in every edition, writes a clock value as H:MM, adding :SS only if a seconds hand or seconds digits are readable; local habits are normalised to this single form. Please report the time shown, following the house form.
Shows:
6:37:43
